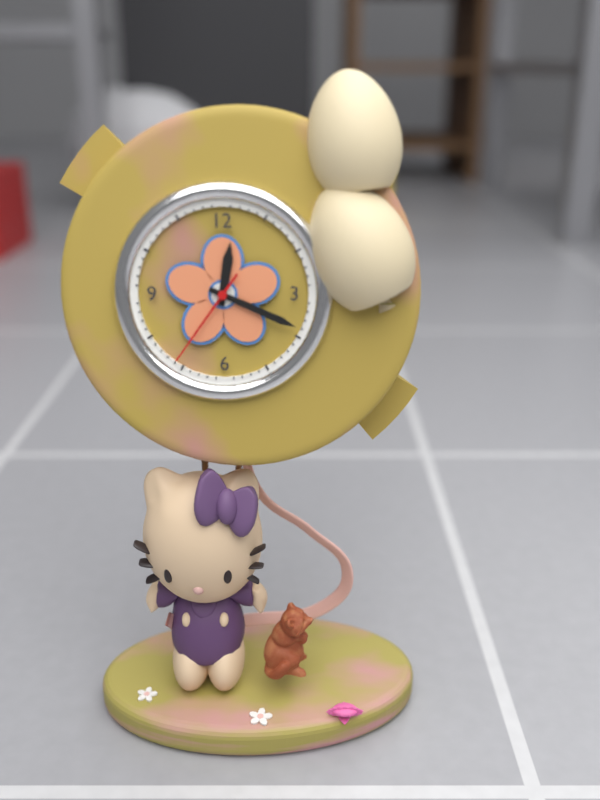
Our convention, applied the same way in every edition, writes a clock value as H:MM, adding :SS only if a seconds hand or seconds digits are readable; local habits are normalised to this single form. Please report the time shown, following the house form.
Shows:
12:19:36
